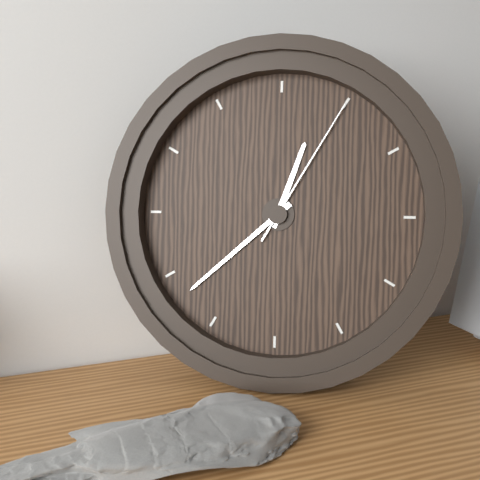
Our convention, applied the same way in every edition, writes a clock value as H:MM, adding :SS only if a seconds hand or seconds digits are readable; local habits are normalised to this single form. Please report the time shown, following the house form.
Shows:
12:38:05
